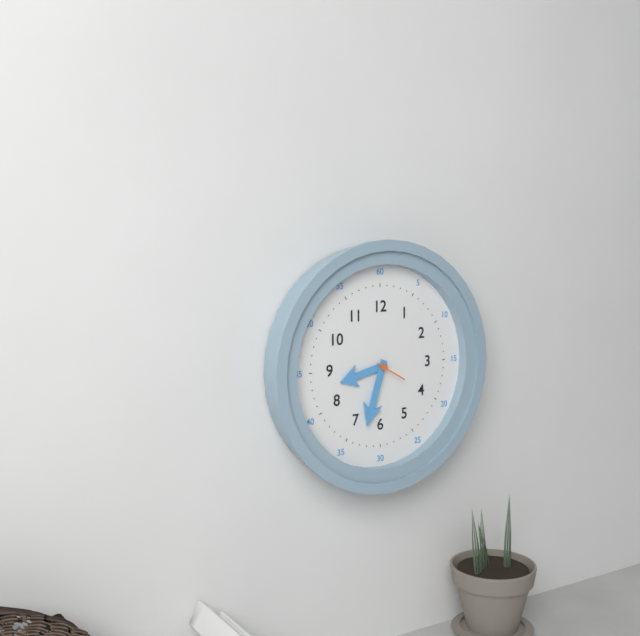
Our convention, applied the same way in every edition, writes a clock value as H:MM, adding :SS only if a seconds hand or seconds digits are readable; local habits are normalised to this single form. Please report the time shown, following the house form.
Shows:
8:33
